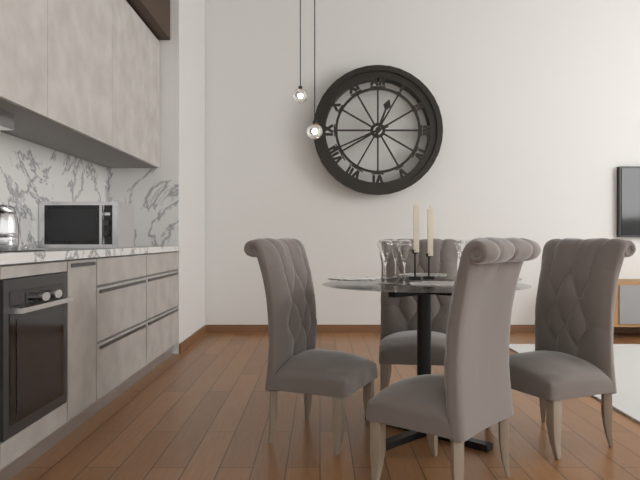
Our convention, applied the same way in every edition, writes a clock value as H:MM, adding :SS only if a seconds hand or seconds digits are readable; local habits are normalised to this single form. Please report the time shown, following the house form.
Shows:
12:41
